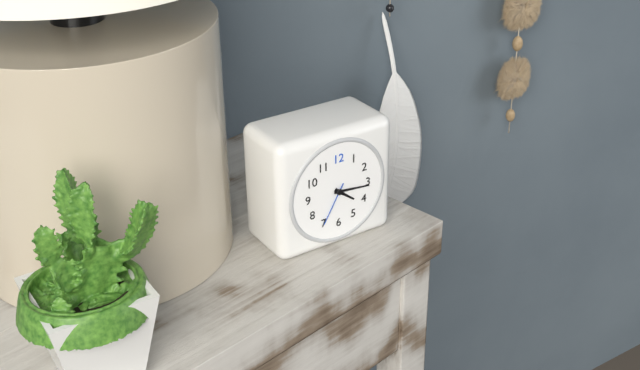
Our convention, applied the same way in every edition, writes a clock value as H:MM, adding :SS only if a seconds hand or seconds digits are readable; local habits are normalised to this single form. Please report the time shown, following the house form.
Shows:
4:16
